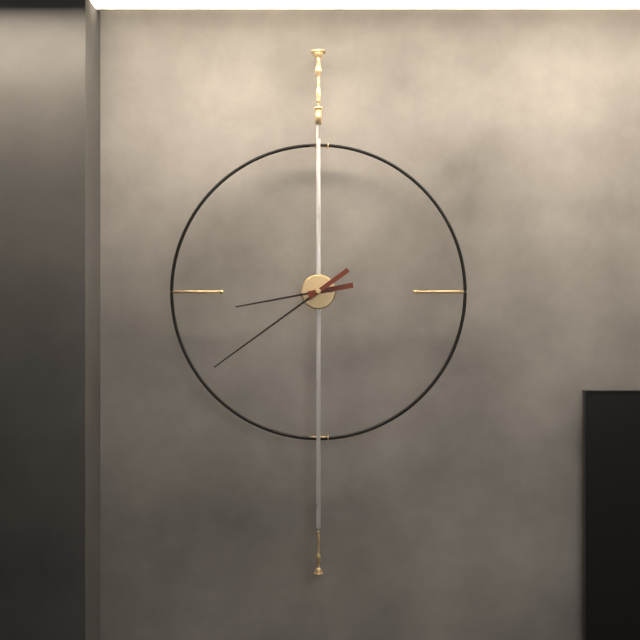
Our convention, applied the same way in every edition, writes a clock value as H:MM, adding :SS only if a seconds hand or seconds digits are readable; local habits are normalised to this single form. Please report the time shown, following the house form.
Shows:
8:39
